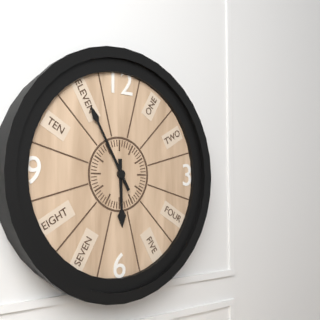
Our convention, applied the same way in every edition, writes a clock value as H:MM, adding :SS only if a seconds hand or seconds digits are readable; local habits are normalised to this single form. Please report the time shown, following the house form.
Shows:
5:55
